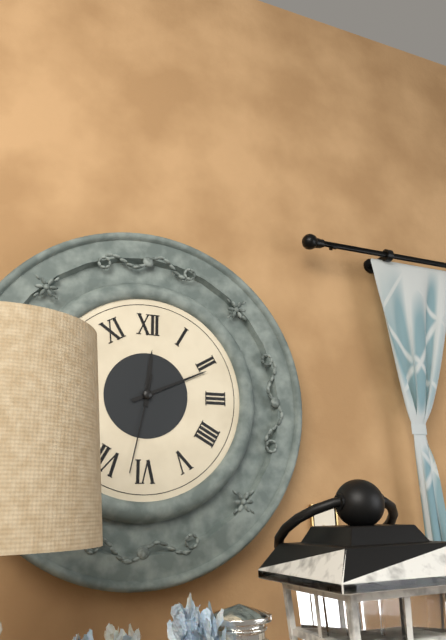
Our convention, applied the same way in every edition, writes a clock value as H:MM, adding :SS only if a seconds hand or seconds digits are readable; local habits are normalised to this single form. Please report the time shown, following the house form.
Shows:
12:11:32
